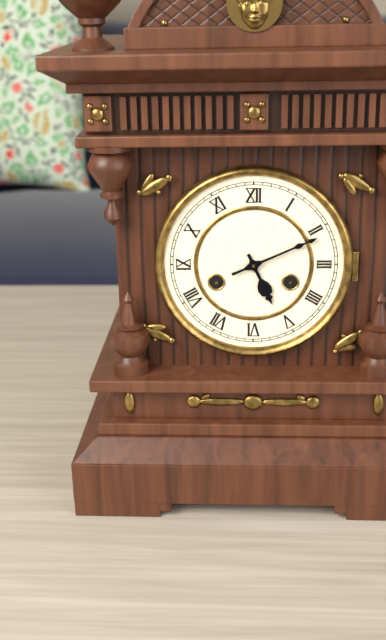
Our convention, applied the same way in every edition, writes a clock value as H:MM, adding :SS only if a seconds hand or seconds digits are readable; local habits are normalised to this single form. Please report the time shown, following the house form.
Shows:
5:11
